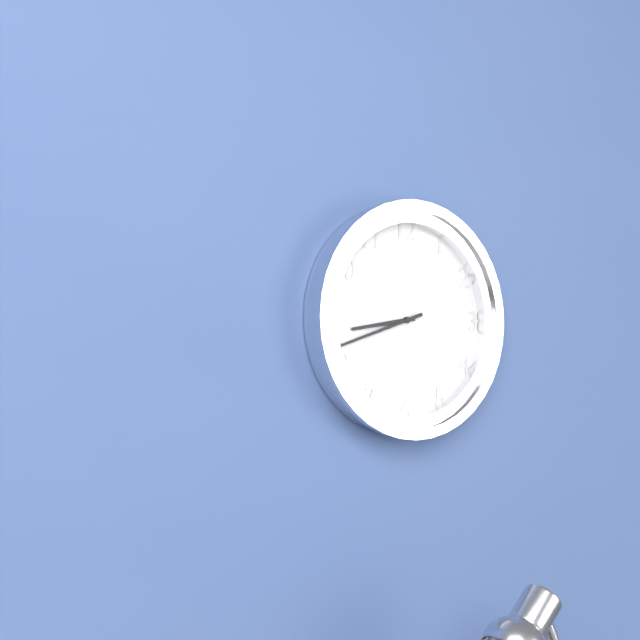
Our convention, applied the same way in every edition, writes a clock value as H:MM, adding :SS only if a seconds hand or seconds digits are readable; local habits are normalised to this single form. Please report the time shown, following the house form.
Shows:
8:42
